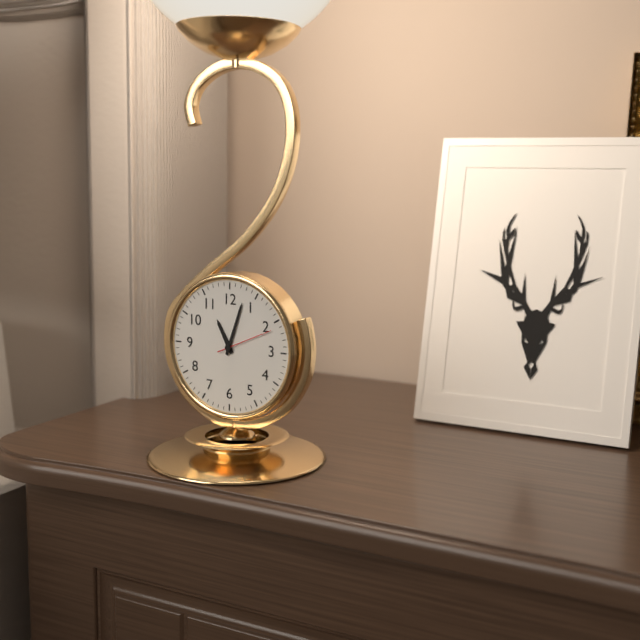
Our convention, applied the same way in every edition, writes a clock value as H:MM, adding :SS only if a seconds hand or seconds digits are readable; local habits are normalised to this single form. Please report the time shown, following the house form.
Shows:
11:03:11
